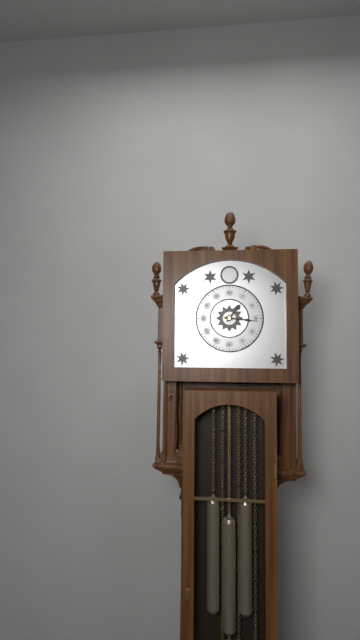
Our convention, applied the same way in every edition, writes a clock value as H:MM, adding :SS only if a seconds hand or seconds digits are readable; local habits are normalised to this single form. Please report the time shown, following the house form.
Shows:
1:16
